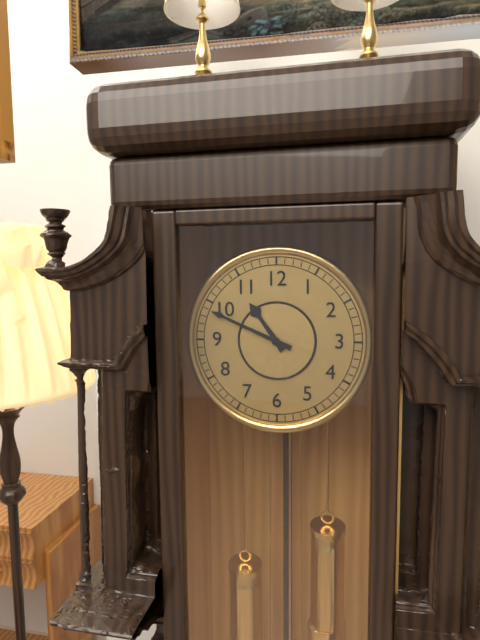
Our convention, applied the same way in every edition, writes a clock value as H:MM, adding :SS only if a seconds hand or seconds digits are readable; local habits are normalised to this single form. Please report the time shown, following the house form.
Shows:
10:49
